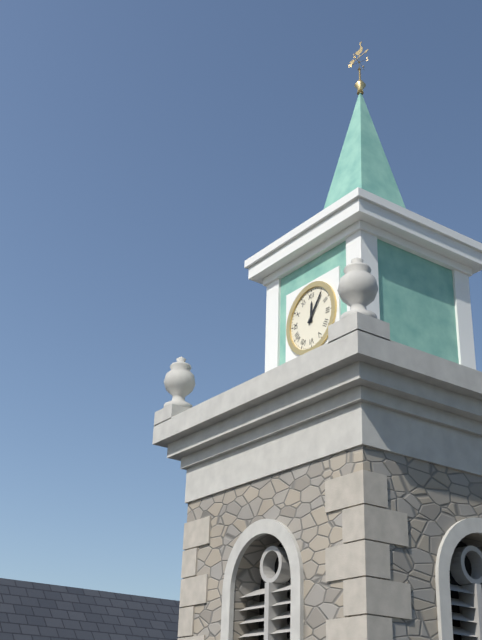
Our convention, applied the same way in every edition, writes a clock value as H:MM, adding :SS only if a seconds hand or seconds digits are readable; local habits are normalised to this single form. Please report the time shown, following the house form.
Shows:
12:06
